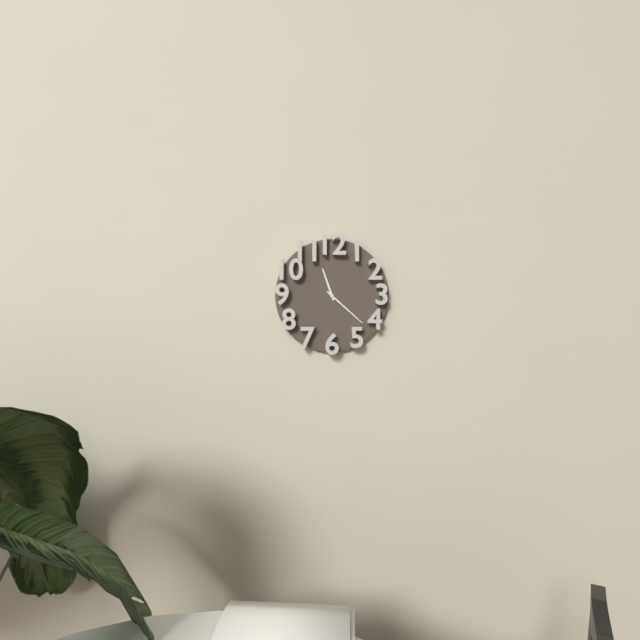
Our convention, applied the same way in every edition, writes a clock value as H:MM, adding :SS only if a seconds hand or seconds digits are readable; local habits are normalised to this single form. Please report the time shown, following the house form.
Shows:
11:22
